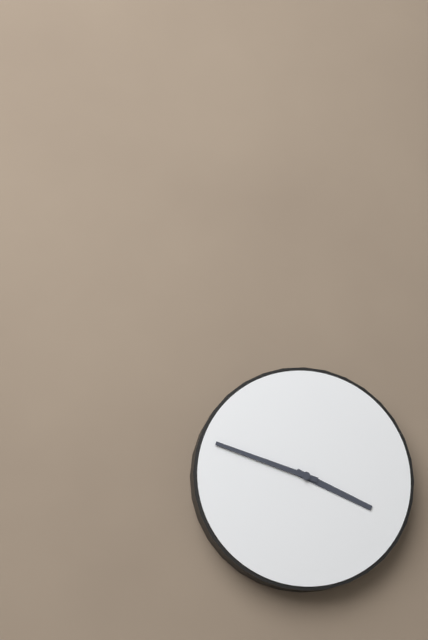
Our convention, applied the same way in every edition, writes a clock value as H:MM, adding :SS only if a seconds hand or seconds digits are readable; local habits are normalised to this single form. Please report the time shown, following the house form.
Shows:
3:48
